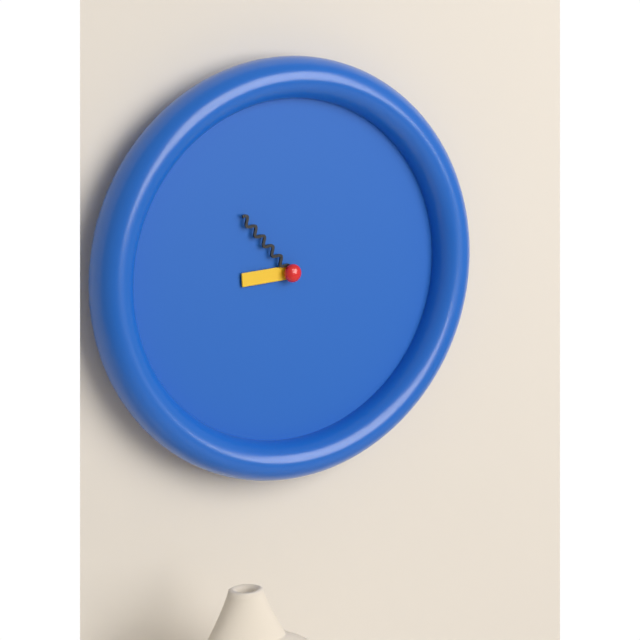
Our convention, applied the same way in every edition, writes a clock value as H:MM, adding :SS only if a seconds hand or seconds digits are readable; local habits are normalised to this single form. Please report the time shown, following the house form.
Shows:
8:53
